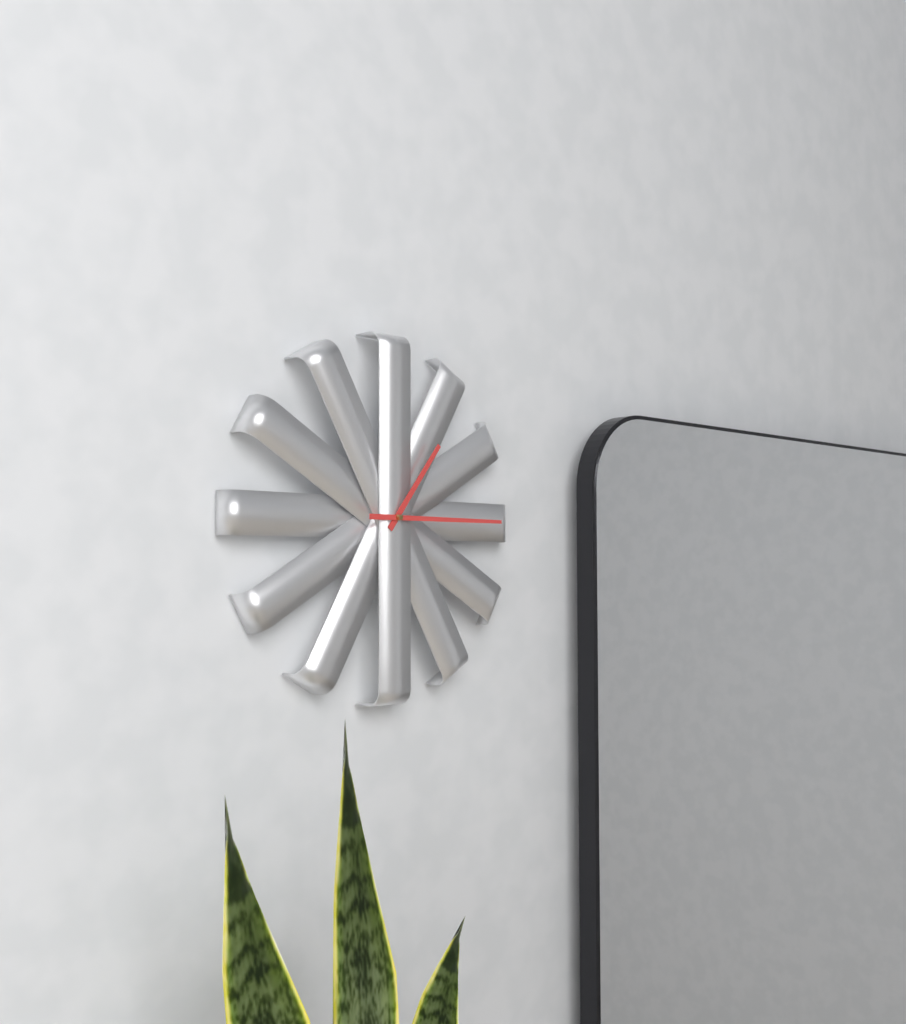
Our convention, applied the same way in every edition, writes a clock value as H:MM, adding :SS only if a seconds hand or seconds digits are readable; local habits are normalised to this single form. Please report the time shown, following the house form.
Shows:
1:15
